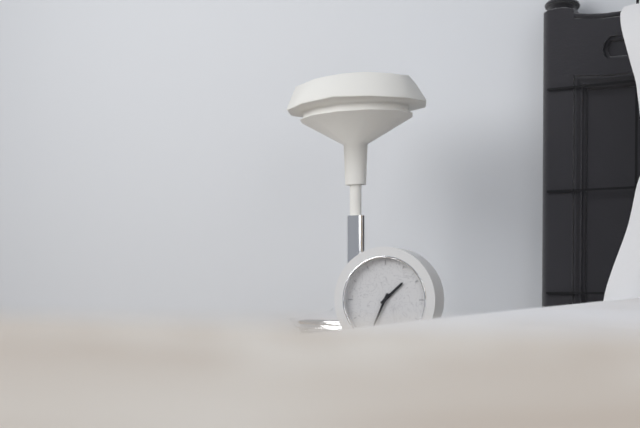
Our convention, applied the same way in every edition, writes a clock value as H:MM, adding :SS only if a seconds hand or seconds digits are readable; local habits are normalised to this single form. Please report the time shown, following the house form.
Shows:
1:34
